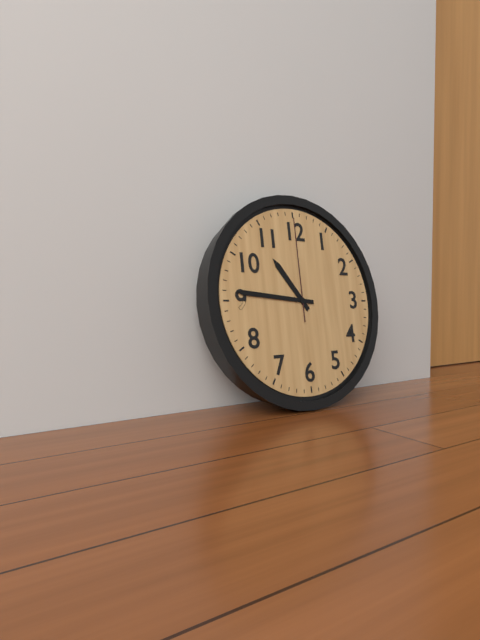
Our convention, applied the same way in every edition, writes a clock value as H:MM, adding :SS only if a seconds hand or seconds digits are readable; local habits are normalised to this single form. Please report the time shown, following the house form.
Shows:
10:46:00
